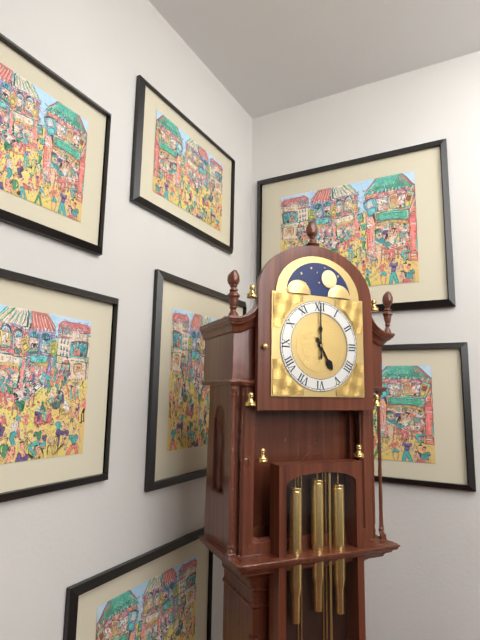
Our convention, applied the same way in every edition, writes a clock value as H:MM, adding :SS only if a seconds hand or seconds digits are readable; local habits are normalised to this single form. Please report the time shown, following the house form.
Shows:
5:00
